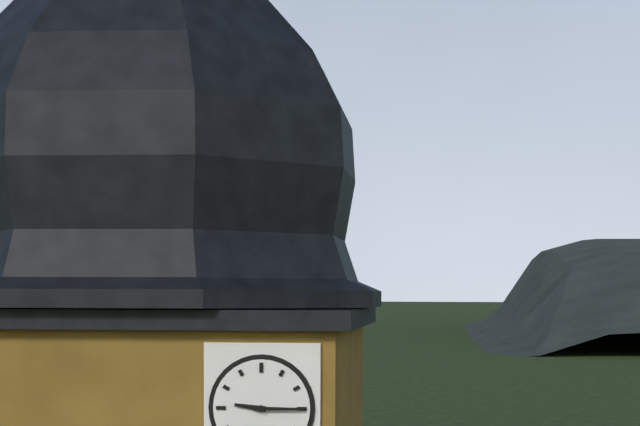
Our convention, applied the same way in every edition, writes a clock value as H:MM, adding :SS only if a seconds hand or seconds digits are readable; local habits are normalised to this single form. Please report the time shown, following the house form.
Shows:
9:15
